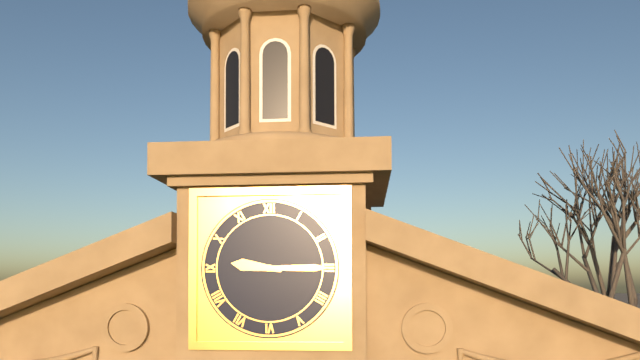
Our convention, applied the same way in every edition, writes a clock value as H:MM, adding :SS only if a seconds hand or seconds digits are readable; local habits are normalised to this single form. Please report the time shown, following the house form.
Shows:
9:15
